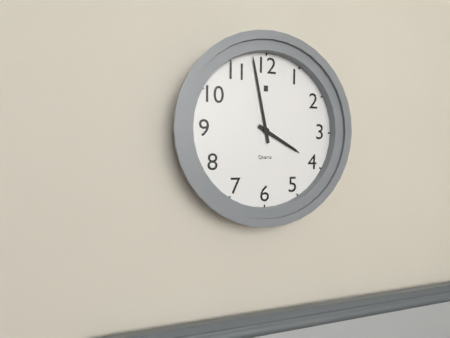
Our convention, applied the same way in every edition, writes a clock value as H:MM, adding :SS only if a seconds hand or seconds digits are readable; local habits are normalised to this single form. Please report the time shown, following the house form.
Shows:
3:58
